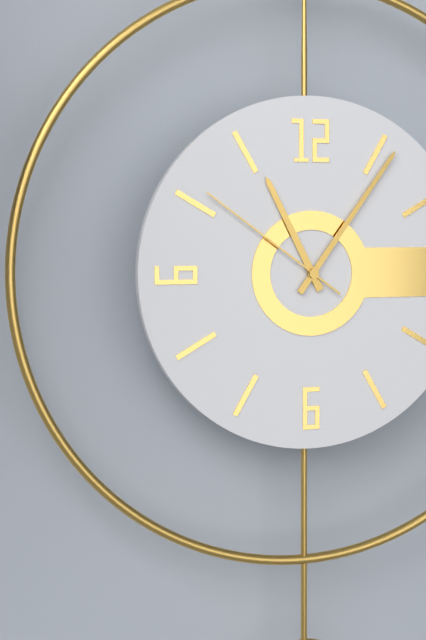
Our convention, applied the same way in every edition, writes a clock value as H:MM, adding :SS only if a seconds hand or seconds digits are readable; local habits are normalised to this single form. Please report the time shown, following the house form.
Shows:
11:06:51
